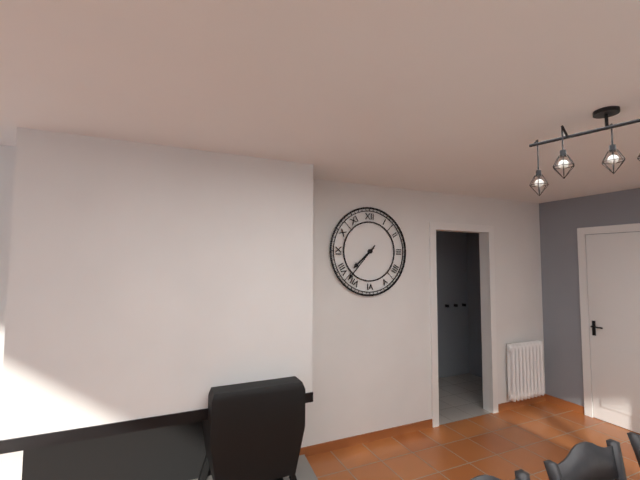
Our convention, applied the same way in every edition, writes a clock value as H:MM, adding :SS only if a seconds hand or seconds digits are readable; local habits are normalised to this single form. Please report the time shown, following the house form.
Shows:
7:37
